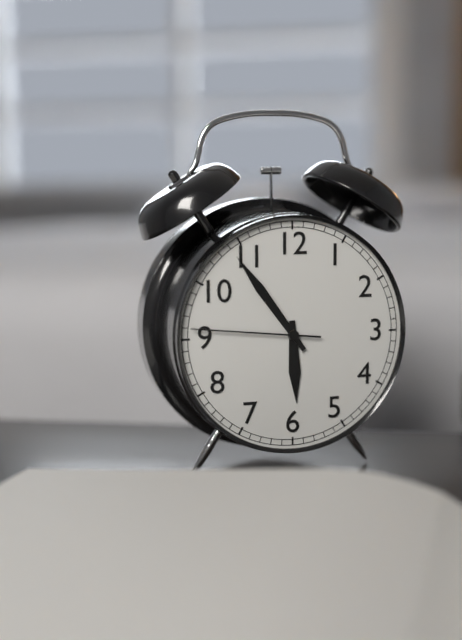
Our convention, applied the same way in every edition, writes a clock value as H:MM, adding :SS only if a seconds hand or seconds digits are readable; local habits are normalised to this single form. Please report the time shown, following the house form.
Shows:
5:54:46
